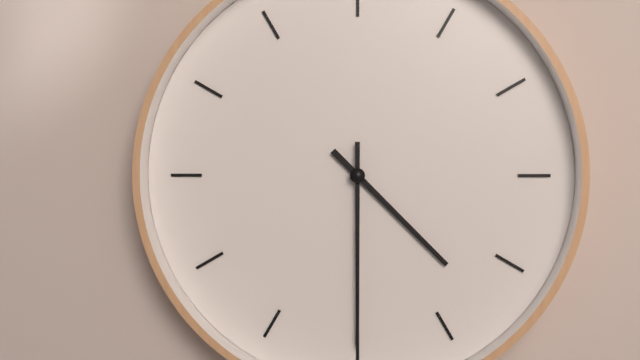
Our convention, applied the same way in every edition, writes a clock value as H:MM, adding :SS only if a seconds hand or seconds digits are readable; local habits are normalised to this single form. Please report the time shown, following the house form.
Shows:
4:30
